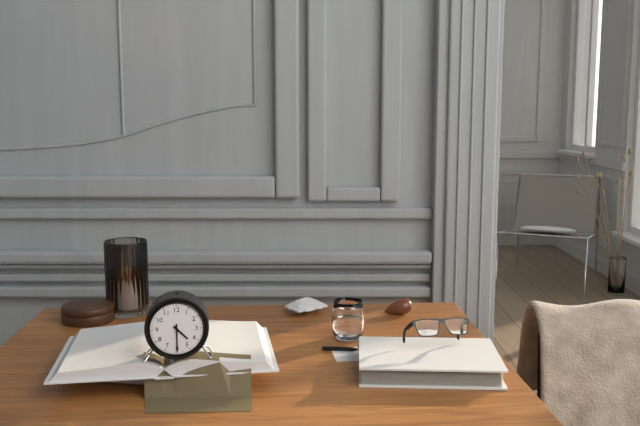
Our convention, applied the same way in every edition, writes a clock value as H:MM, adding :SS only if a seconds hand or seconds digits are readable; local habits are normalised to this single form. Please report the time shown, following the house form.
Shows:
4:30
